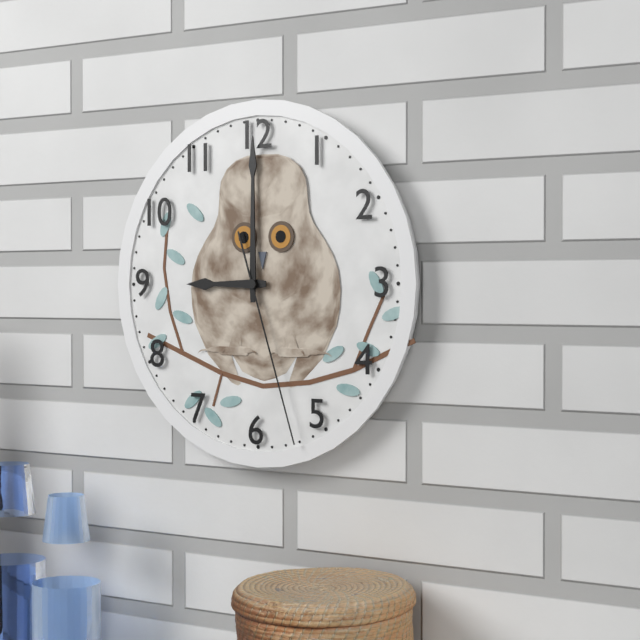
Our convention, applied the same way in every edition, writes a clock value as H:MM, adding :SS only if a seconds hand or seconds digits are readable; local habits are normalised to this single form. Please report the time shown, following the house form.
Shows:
9:00:27
